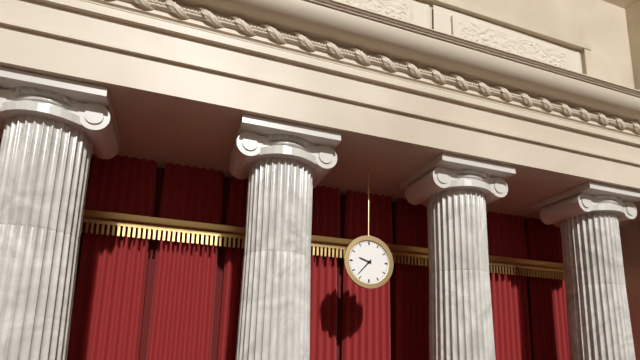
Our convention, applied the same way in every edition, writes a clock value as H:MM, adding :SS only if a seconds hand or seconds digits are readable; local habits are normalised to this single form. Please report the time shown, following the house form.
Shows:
9:37
